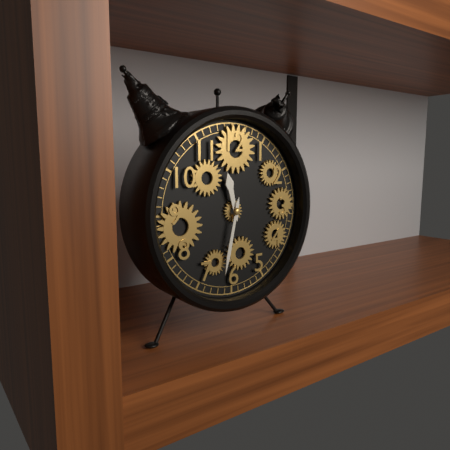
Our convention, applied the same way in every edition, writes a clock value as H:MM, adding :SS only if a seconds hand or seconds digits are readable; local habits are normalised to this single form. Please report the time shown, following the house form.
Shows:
11:32
